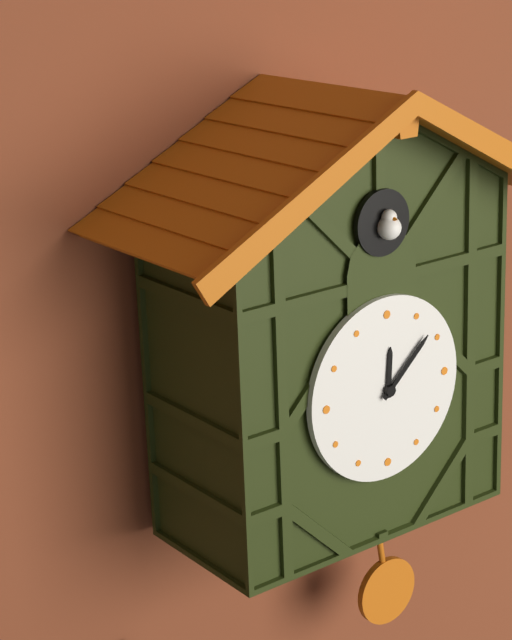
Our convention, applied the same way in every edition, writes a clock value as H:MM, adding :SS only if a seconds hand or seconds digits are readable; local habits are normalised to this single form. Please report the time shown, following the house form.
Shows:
12:08
